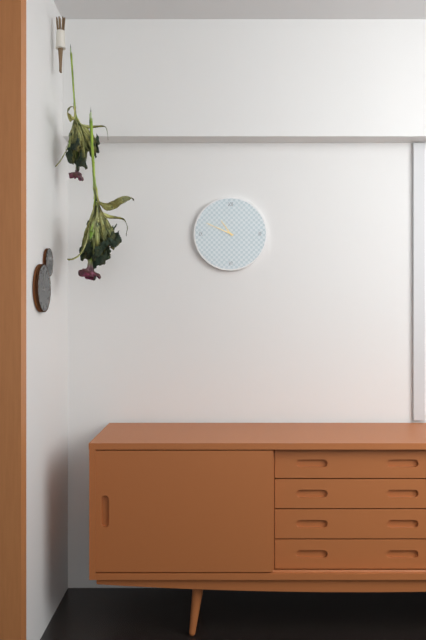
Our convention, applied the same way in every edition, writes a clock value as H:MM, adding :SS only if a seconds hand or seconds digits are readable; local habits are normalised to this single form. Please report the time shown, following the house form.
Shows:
10:49
